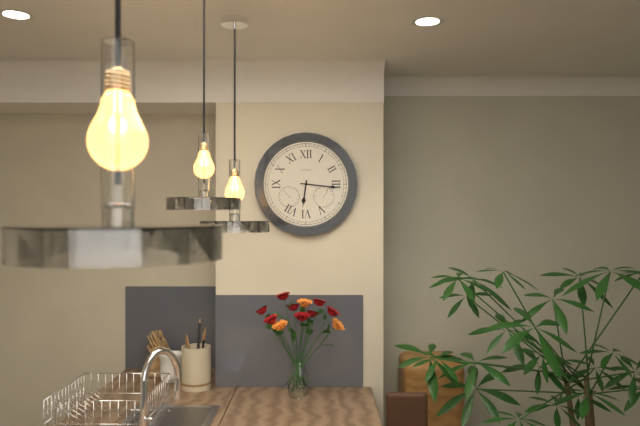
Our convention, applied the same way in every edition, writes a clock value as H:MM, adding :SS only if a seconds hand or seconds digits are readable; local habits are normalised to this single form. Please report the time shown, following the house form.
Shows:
6:16
